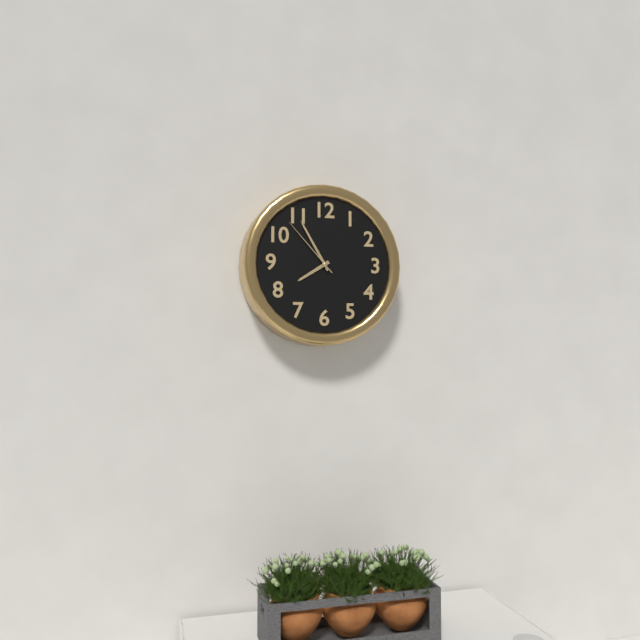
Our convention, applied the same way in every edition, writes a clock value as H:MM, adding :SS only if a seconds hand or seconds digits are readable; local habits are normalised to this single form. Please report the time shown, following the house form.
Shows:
7:55:53
